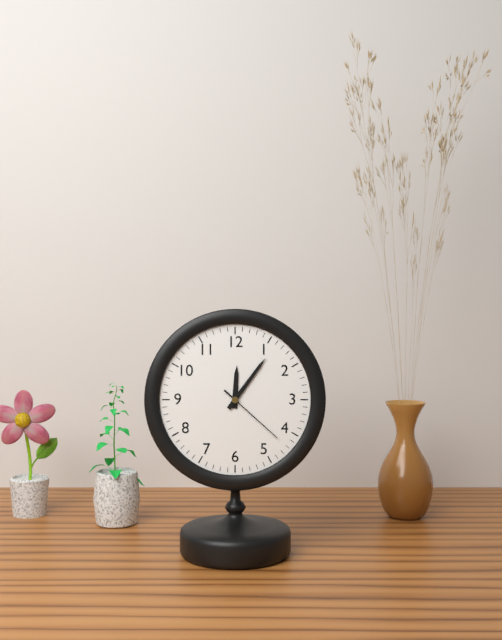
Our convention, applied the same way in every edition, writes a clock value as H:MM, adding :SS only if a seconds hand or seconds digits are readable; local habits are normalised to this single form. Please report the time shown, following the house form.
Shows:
12:06:22
